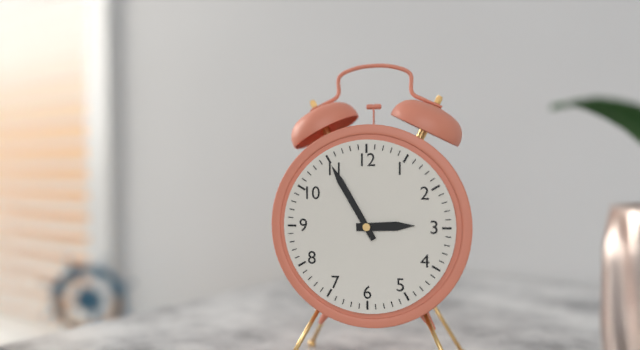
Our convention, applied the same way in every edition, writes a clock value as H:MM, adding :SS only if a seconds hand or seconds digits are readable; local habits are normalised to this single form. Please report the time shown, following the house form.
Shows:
2:55
